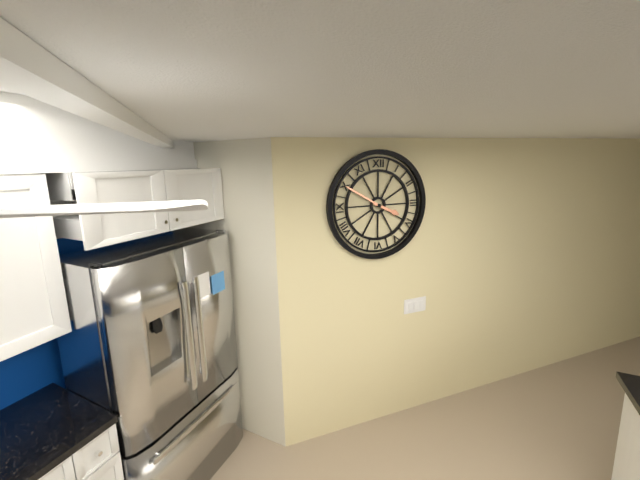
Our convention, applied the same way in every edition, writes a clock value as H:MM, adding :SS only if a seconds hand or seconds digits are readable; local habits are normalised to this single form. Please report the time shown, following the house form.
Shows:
3:50
